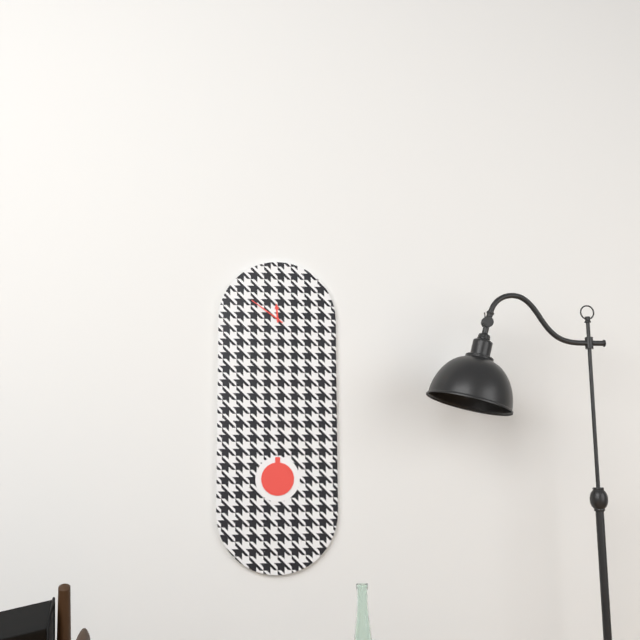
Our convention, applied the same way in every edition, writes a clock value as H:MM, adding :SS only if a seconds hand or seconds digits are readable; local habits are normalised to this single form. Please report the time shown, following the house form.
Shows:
11:51
